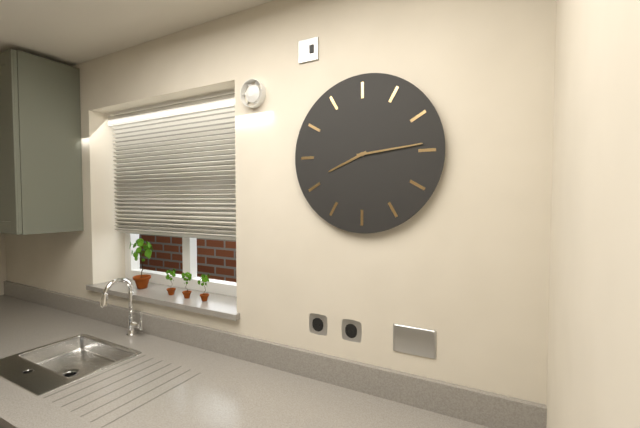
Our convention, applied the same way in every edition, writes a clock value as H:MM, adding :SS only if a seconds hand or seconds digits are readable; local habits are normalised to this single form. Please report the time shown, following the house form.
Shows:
8:14
